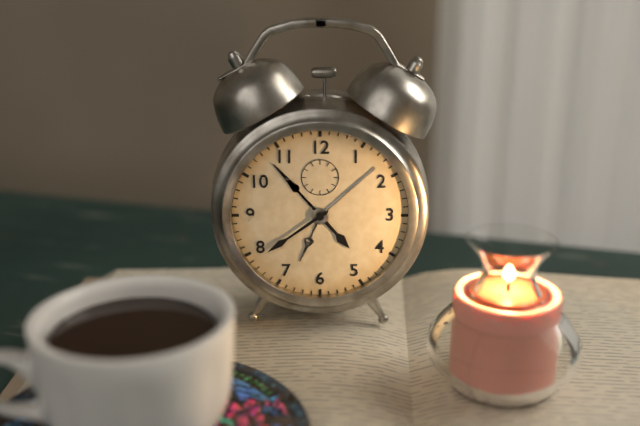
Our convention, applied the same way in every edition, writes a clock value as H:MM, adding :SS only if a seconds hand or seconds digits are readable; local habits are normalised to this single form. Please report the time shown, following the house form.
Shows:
4:39
